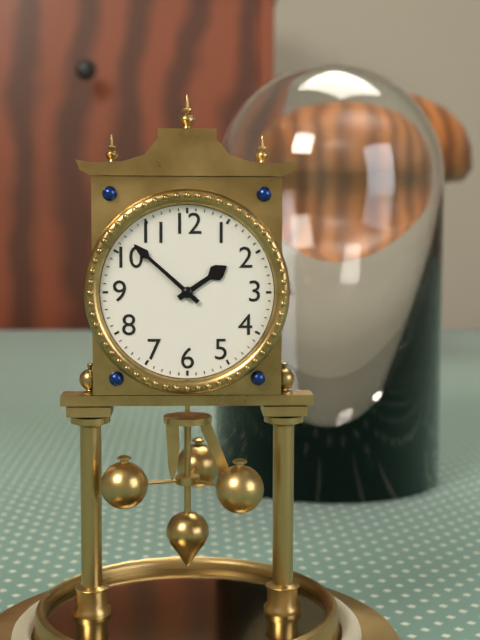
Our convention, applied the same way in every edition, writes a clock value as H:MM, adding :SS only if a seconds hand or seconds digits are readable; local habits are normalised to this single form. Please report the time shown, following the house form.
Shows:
1:52
